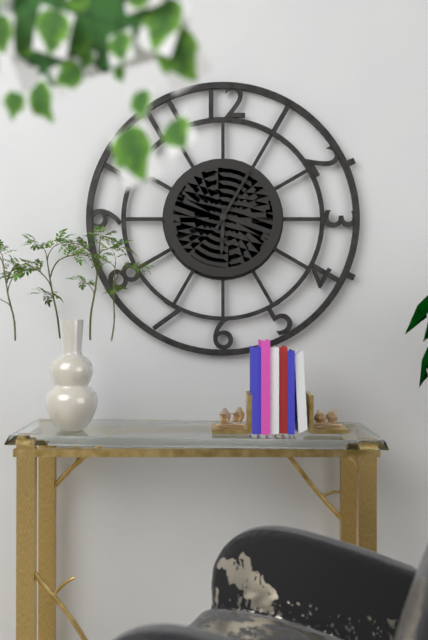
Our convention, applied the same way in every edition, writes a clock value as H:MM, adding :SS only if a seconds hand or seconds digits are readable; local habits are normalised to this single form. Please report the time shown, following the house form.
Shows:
6:05
